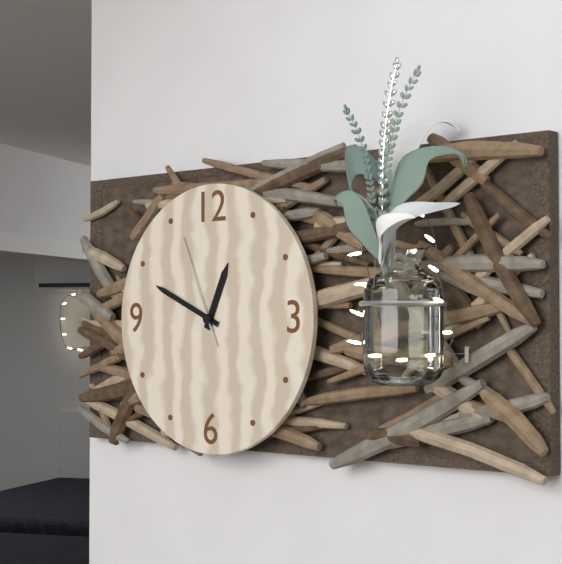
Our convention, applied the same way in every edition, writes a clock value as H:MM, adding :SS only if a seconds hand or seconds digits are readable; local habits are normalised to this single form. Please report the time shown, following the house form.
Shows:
12:49:56
